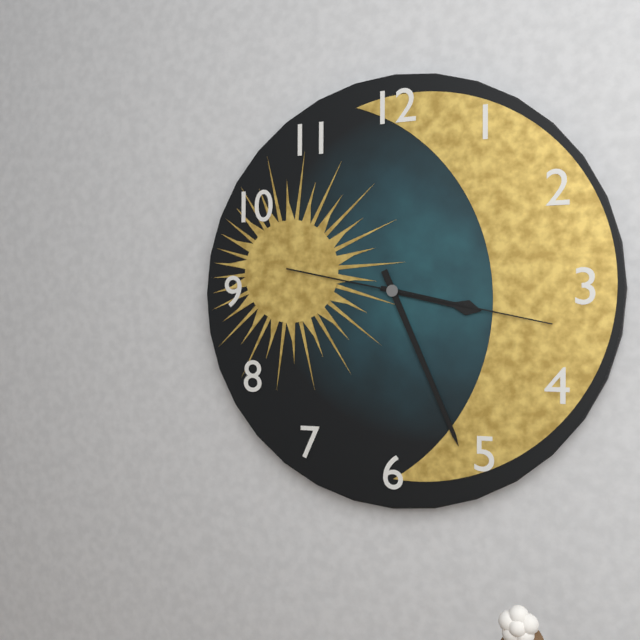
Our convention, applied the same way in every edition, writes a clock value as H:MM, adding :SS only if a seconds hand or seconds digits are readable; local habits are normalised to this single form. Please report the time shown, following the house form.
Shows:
3:26:17
